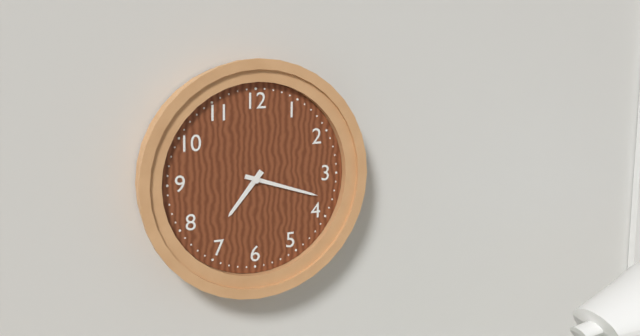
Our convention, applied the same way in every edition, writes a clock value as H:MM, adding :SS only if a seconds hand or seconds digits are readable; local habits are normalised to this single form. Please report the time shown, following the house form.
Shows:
7:18
